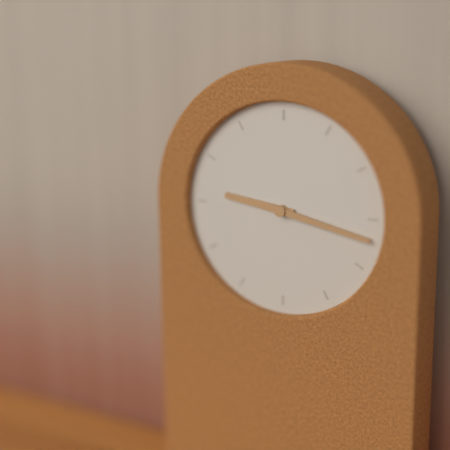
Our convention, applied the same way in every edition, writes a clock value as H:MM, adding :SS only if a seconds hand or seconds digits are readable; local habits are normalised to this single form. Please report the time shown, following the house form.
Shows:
9:17
